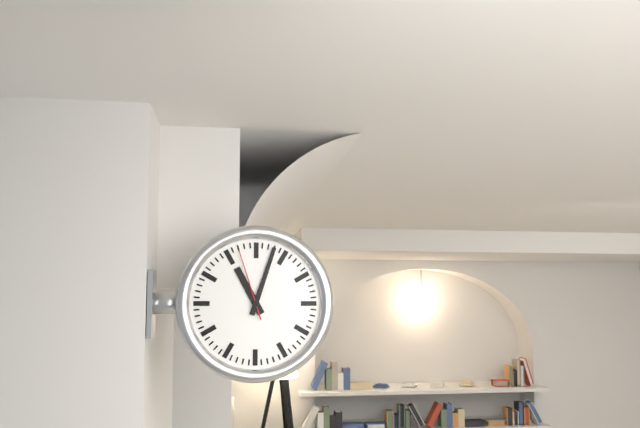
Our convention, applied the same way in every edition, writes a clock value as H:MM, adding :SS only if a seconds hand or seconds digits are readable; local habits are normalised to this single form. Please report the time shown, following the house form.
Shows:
11:03:57
